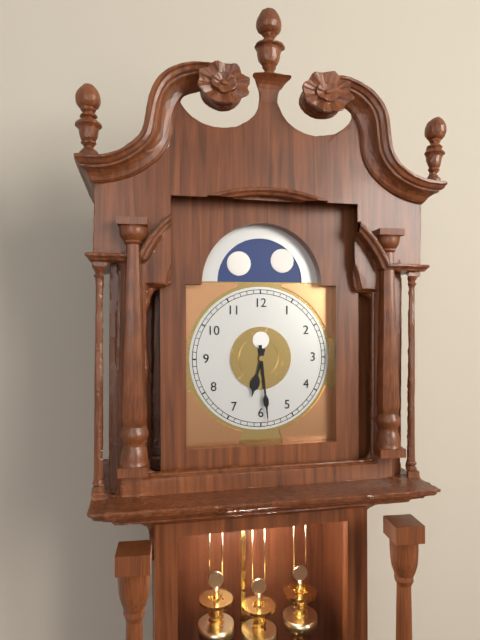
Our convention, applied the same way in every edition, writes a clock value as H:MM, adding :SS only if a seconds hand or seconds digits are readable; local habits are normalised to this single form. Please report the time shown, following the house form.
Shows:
6:29
